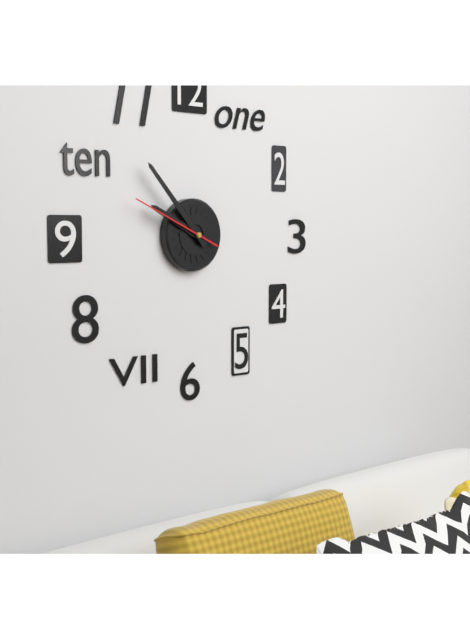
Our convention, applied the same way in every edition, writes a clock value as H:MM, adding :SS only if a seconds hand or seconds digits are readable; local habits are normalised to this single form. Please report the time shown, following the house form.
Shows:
9:53:49
